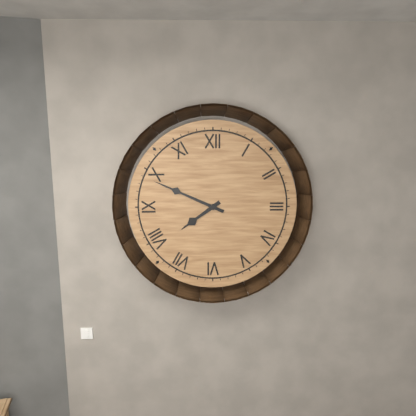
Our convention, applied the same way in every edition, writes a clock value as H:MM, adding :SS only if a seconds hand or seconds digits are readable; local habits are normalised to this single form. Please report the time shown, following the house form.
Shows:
7:49
